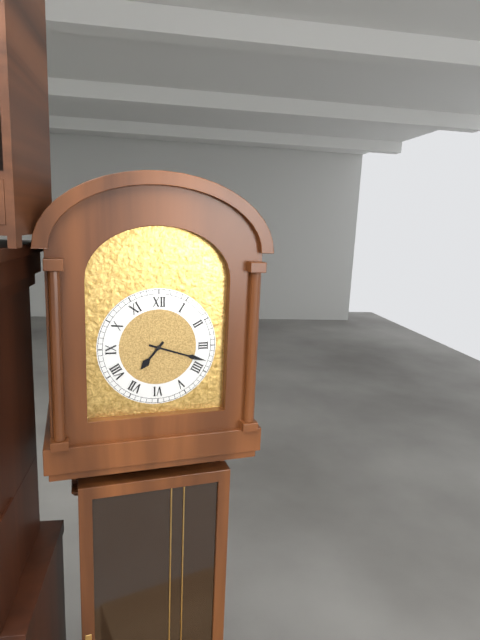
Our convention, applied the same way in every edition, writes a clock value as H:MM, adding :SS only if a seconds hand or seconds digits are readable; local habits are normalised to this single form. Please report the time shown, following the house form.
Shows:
7:18
